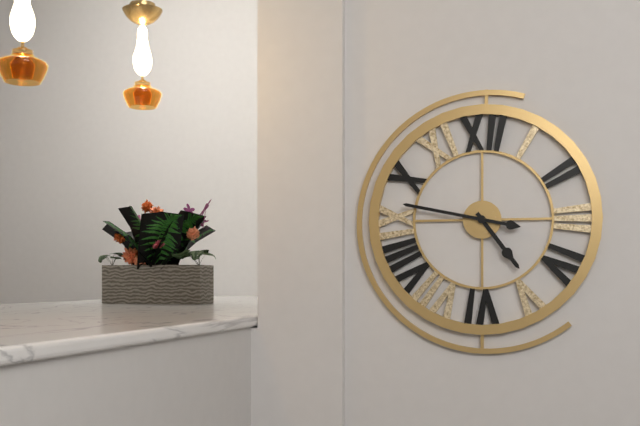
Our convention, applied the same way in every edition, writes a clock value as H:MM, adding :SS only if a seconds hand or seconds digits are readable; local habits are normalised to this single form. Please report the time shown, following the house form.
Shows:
4:47
